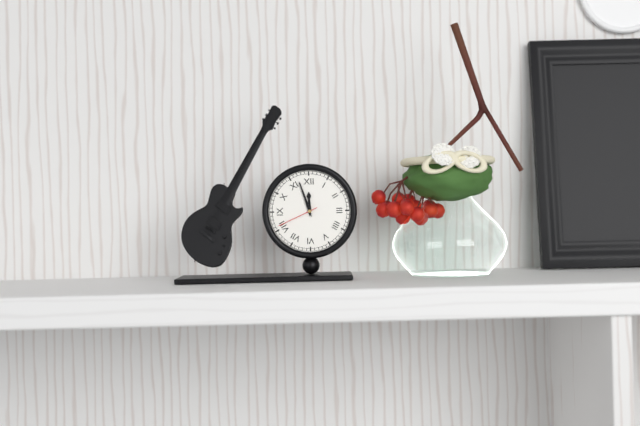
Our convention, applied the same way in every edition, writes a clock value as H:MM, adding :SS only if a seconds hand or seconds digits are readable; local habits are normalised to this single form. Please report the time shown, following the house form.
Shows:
11:57
